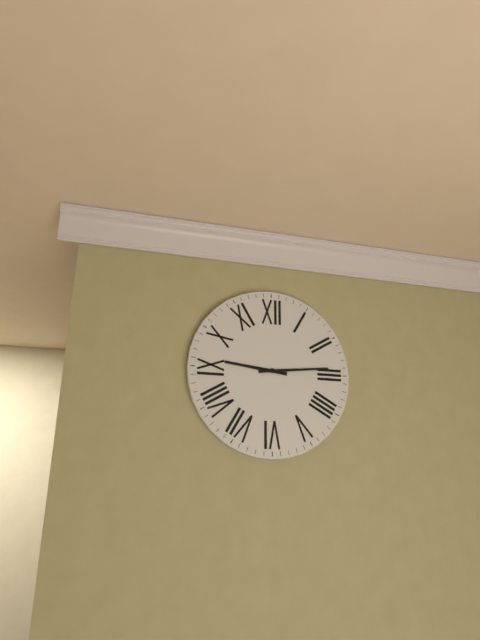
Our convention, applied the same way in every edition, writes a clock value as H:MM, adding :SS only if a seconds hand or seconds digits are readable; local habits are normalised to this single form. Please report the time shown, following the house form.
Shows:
9:14
